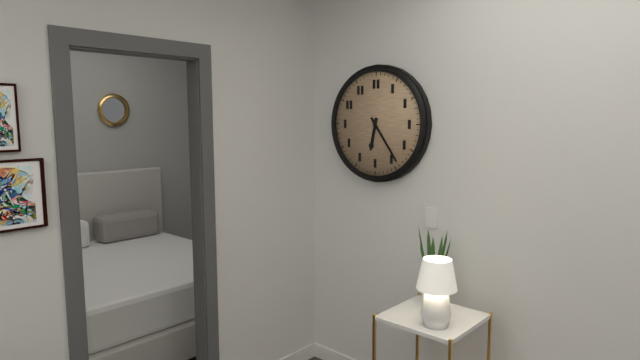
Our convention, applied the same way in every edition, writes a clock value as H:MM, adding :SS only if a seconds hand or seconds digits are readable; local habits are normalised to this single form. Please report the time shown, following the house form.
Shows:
6:24
